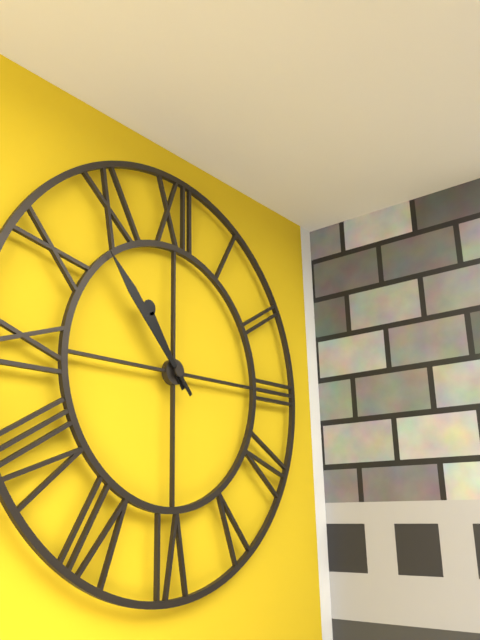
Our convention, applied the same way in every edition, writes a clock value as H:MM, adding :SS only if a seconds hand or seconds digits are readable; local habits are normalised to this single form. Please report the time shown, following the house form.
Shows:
10:53
